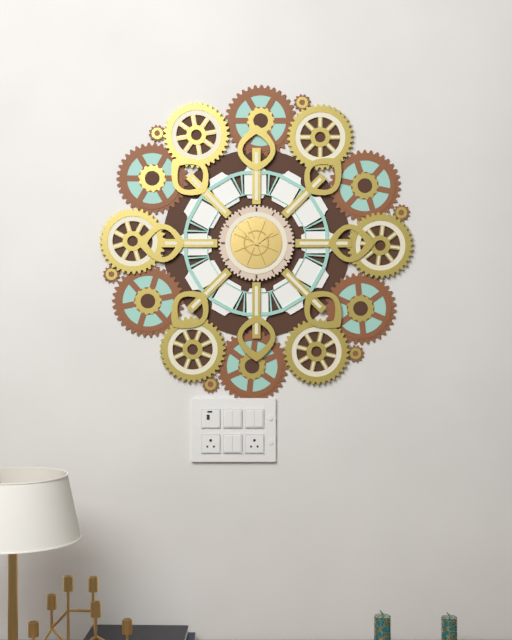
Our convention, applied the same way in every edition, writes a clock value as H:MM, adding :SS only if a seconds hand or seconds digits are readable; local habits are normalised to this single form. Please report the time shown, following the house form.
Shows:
1:52
